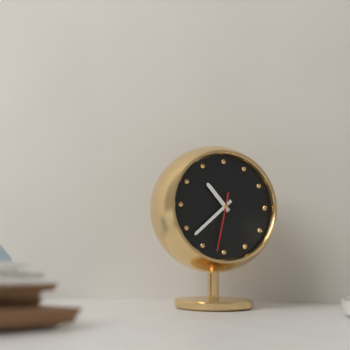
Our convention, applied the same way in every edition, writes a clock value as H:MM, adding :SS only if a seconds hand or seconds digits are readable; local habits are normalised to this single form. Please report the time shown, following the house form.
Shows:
10:38:32
